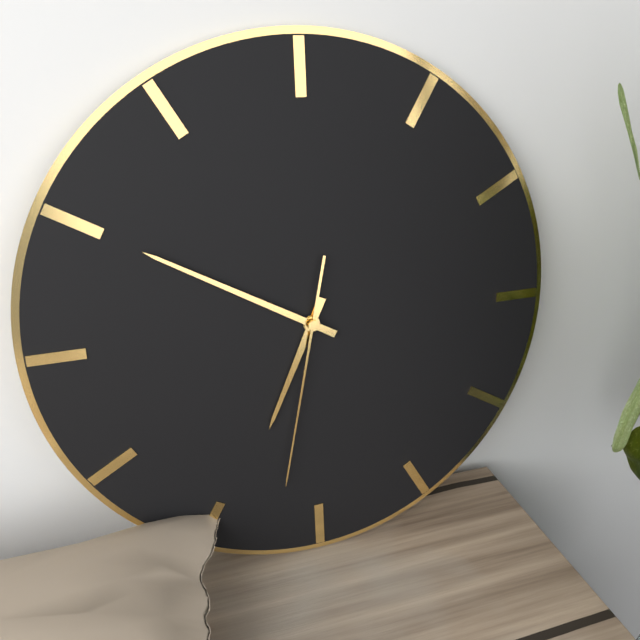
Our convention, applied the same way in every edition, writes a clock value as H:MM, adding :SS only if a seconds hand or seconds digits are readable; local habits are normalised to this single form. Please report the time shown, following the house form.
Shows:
6:50:32
